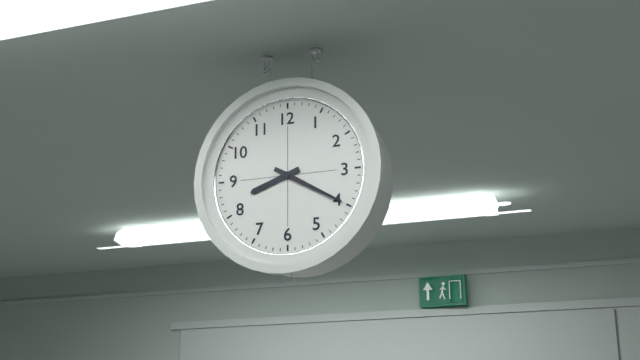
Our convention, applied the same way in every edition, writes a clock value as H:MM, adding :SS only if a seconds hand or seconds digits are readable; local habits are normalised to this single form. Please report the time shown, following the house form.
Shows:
8:20
